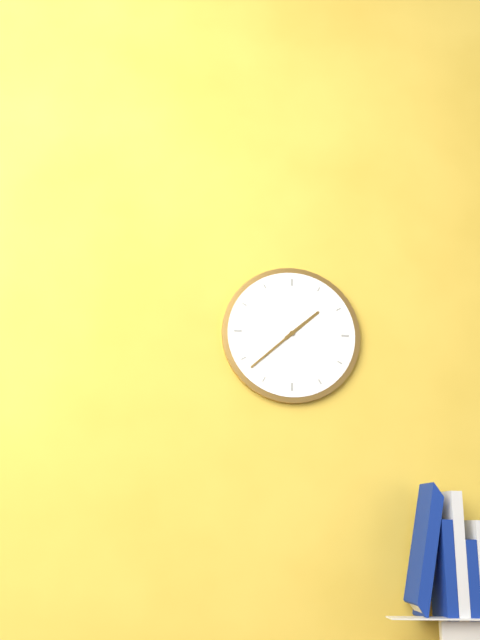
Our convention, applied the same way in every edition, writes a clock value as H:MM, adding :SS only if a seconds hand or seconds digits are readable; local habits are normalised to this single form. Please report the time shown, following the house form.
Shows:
1:38
